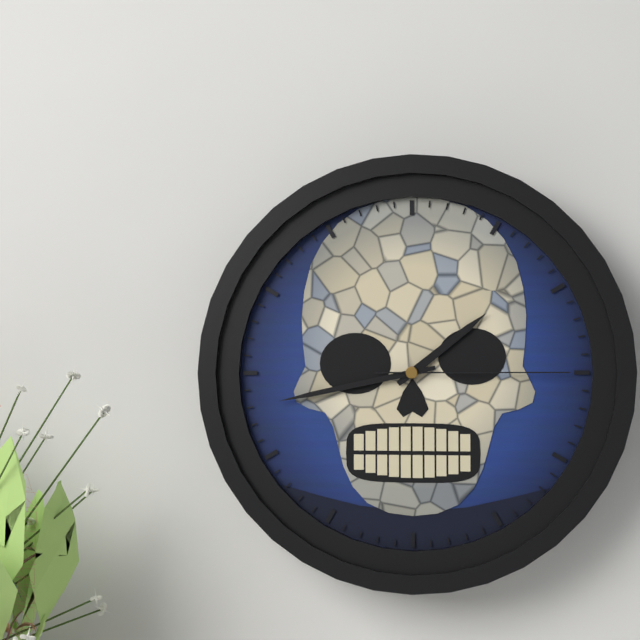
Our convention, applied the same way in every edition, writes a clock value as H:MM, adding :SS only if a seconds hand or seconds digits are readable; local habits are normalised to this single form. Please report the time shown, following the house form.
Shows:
1:43:15
